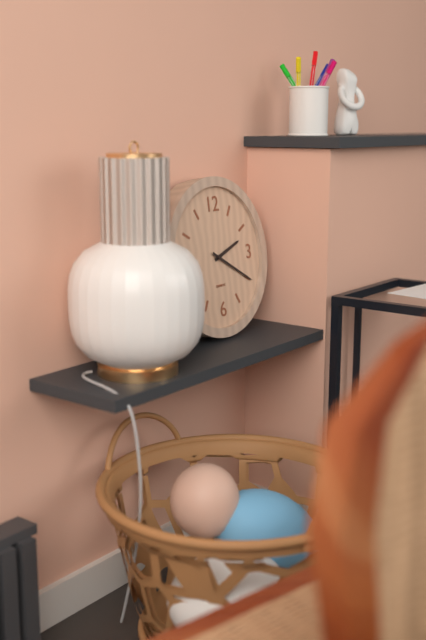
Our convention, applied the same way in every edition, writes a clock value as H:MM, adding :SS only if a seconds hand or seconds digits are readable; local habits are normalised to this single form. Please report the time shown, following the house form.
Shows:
2:20
